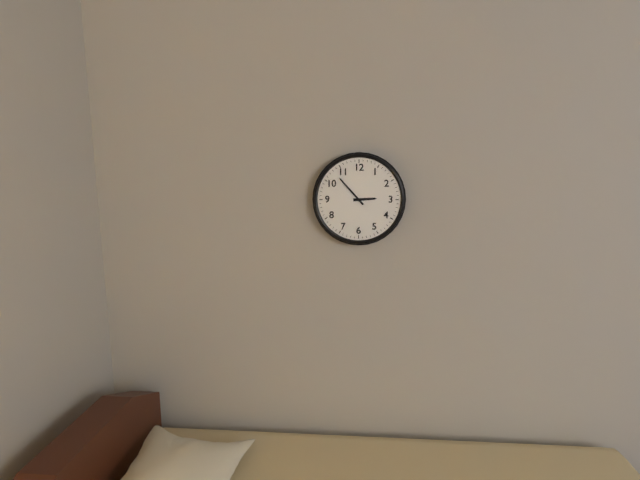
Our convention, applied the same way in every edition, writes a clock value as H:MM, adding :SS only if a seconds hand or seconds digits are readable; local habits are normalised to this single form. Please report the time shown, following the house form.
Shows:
2:53
